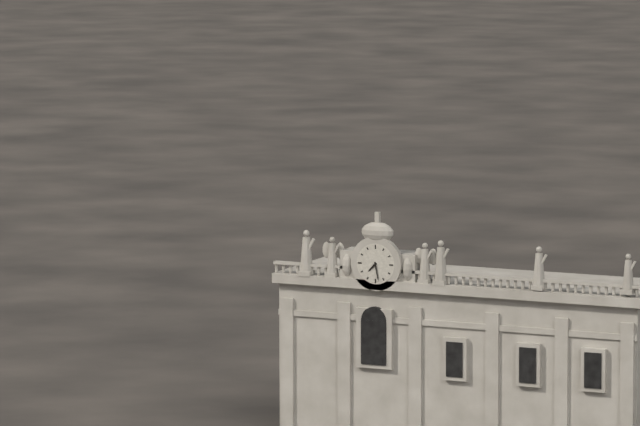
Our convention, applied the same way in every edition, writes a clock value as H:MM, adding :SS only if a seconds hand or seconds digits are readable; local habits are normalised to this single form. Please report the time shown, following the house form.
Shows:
7:28
